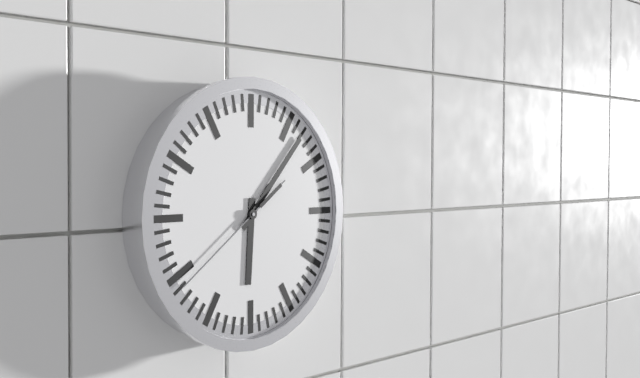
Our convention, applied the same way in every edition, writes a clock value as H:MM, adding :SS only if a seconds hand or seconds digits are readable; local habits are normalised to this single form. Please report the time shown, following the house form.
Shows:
6:07:39
